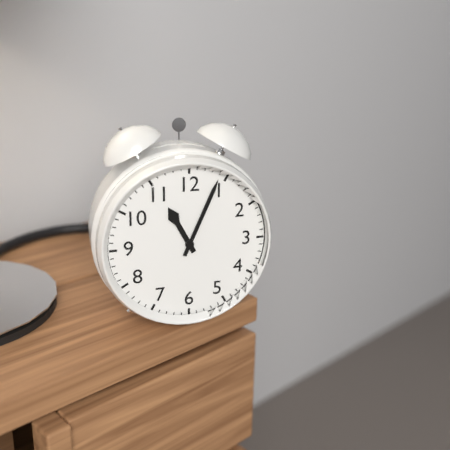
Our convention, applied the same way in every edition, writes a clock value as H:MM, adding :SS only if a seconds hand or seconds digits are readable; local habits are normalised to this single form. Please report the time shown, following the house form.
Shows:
11:04
